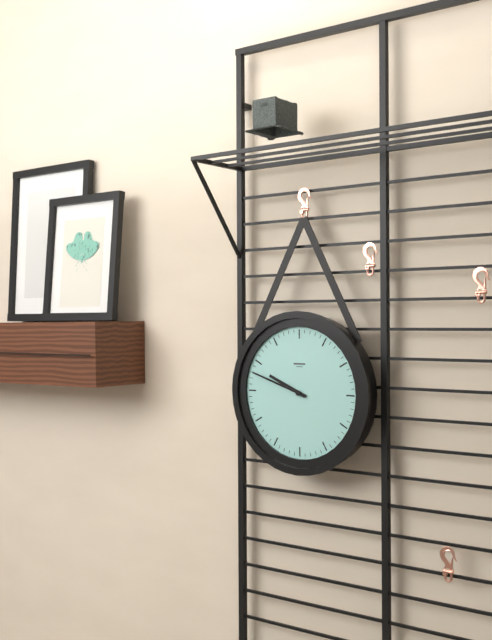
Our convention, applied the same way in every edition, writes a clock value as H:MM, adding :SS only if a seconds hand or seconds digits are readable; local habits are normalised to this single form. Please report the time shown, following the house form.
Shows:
9:48
